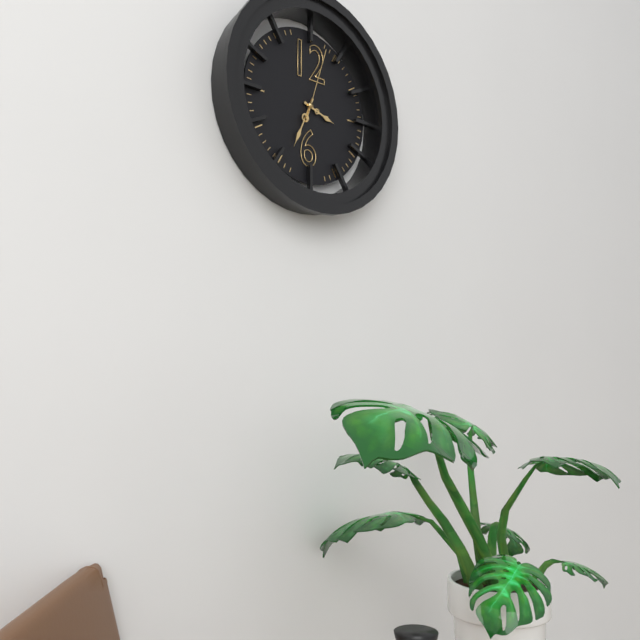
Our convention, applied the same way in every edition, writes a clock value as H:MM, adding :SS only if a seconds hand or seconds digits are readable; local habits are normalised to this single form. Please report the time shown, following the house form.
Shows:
3:34:03
